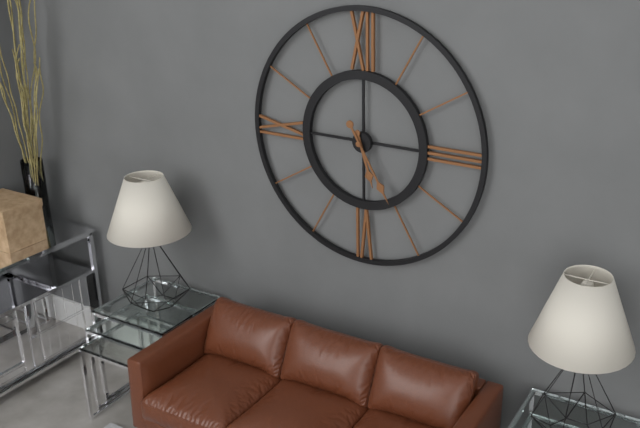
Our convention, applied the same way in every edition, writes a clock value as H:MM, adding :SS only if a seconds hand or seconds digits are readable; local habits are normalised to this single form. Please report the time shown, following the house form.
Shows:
5:25
